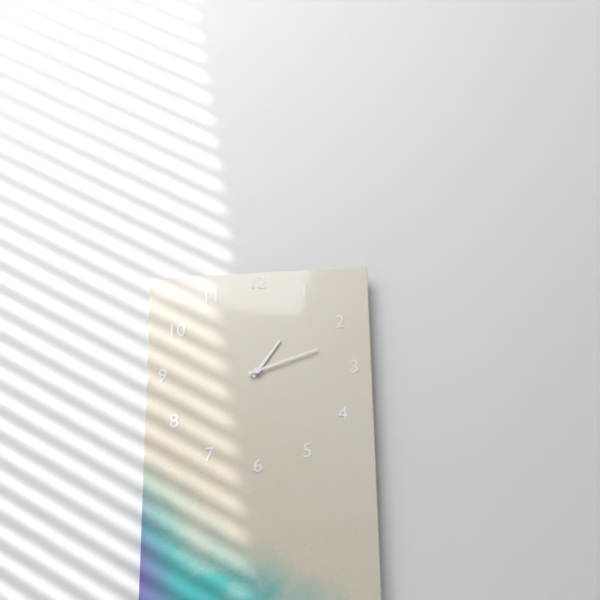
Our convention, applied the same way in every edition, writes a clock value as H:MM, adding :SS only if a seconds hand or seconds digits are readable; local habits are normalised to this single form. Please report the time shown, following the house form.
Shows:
1:12
